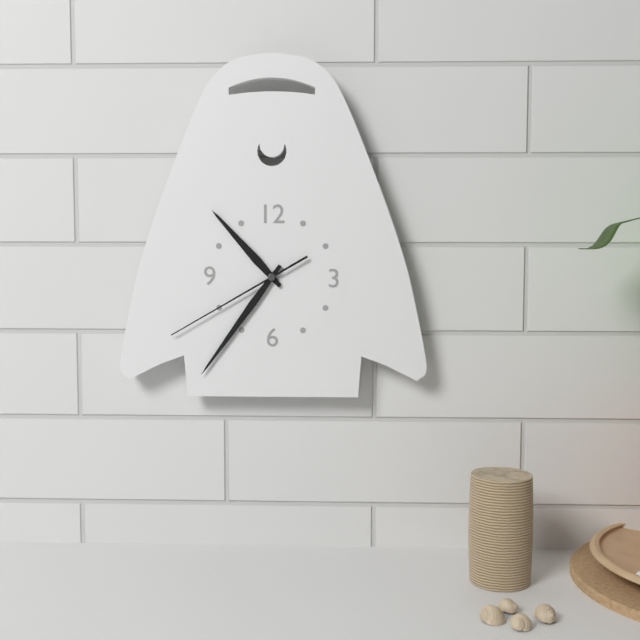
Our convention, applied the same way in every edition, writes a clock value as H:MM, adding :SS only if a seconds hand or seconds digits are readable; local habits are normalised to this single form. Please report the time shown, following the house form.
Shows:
10:36:40
